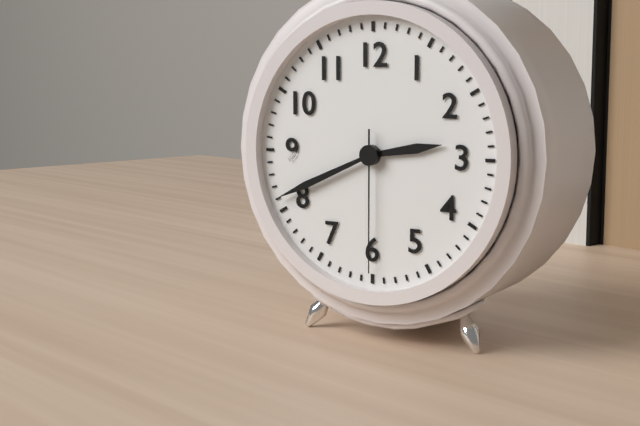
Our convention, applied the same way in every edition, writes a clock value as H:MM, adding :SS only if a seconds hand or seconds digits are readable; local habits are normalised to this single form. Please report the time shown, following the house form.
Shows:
2:41:30
